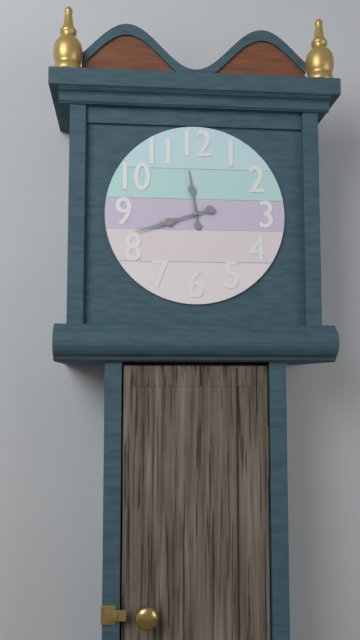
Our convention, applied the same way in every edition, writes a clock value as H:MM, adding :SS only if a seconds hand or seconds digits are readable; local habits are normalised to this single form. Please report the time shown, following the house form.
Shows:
11:42
